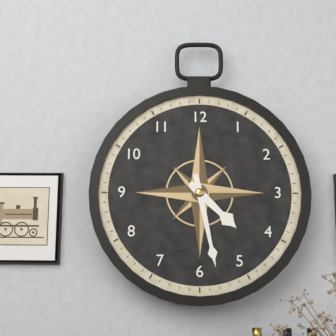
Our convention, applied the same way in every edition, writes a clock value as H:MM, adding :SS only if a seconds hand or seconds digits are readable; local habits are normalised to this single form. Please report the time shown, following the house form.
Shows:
4:28
